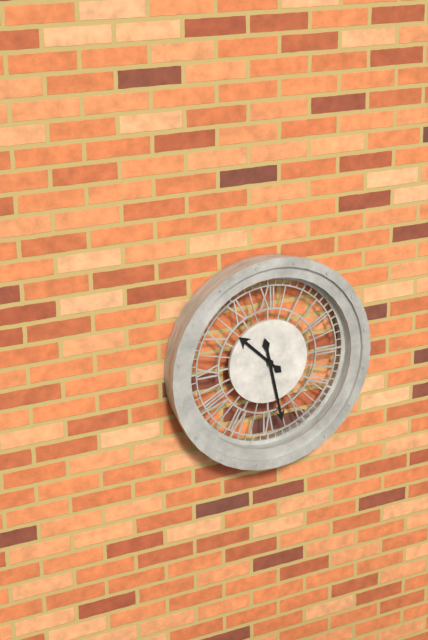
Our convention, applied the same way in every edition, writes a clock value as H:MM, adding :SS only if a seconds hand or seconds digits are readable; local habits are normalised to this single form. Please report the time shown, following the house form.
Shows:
10:28
